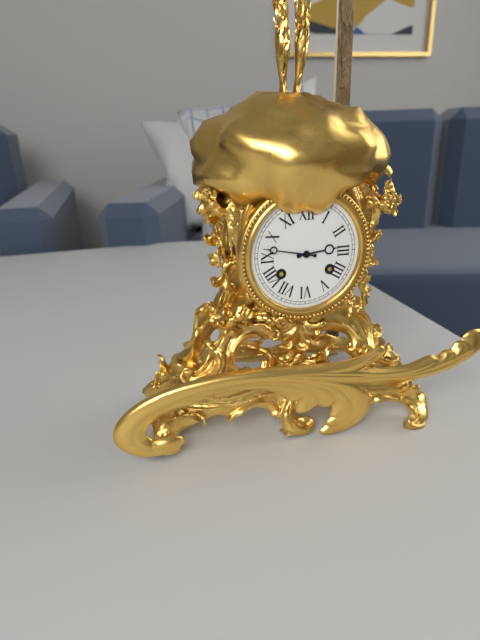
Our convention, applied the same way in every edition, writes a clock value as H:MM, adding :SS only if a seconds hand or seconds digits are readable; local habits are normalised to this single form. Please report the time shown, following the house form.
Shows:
2:47
